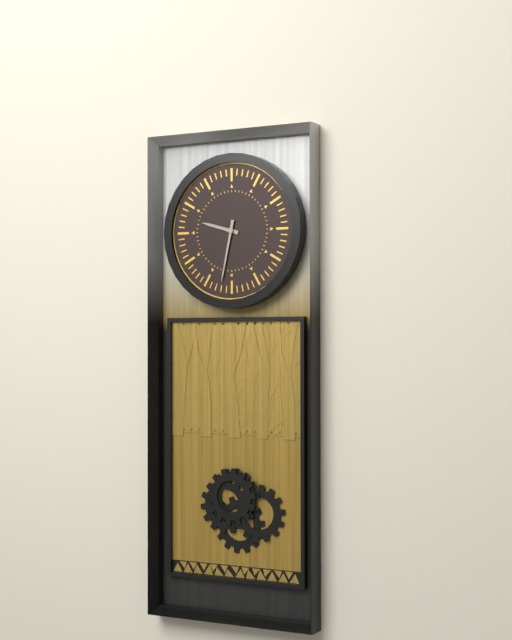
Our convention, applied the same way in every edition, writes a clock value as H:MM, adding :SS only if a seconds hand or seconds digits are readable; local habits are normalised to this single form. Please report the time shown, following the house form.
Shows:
9:32
